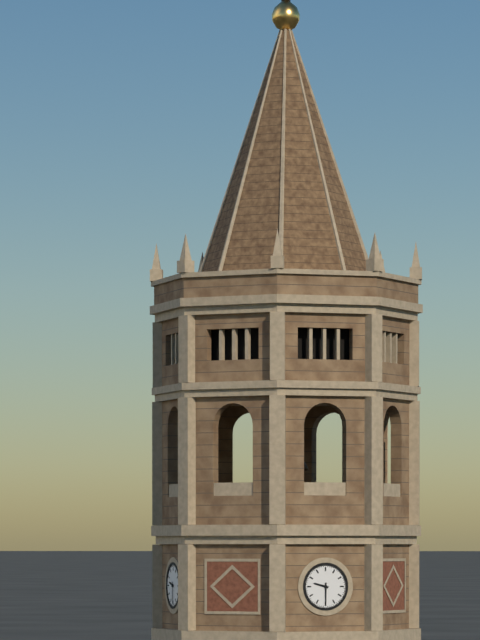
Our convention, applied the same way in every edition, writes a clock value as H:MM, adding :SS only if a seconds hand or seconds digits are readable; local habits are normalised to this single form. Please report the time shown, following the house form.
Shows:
9:30
